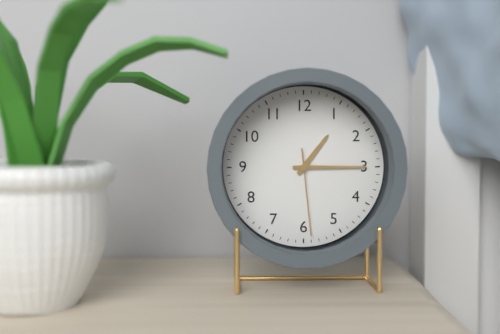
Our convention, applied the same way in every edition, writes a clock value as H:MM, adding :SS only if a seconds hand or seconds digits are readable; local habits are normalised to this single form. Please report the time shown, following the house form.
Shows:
1:15:29
